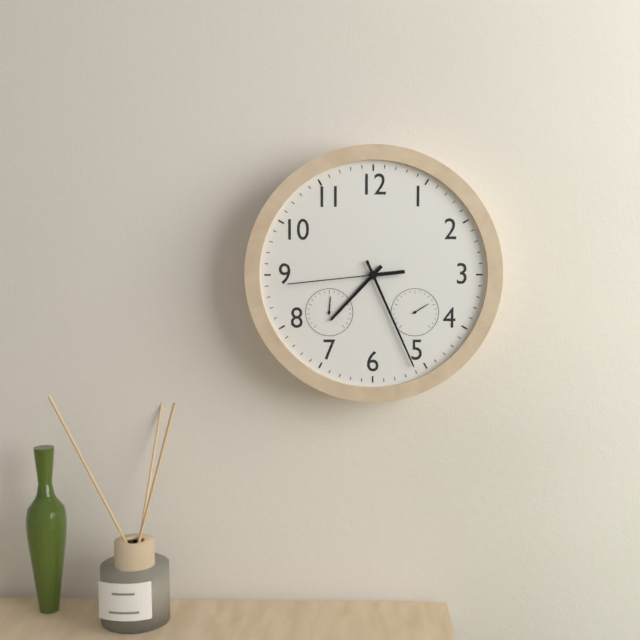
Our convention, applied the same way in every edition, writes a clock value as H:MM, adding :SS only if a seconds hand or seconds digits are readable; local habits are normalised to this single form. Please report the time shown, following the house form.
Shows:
7:26:44
